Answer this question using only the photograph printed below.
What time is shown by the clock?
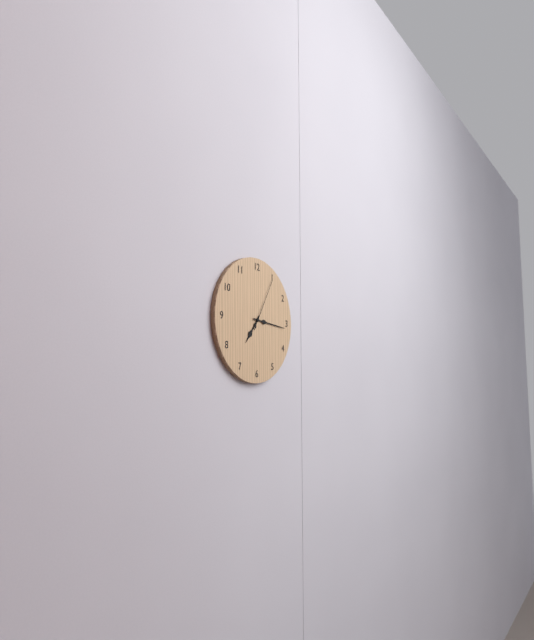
7:16:05
